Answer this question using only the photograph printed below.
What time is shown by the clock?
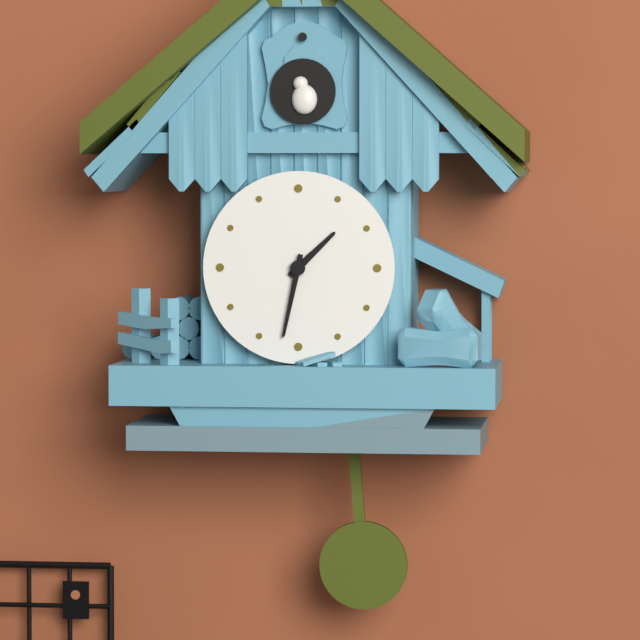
1:32
